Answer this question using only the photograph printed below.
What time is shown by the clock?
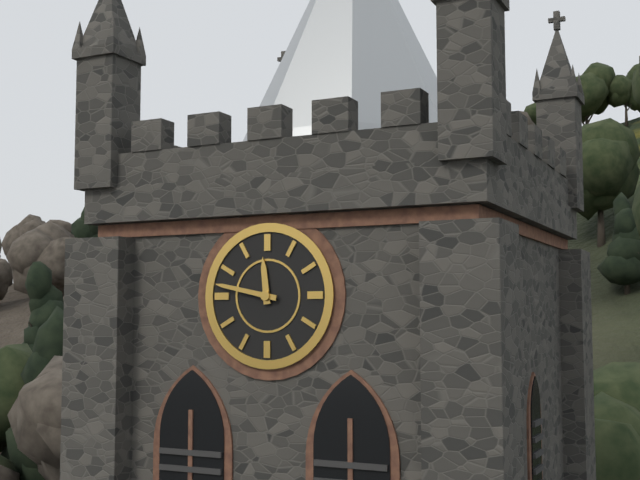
11:47
